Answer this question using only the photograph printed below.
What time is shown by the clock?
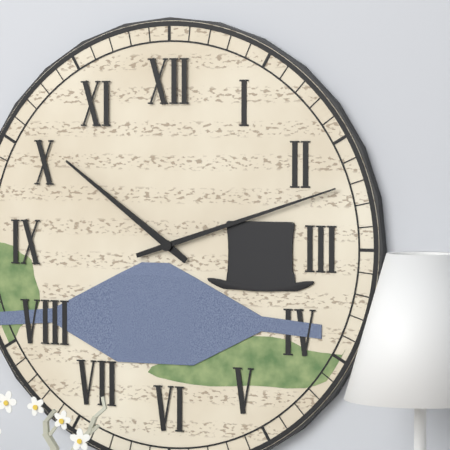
10:12
